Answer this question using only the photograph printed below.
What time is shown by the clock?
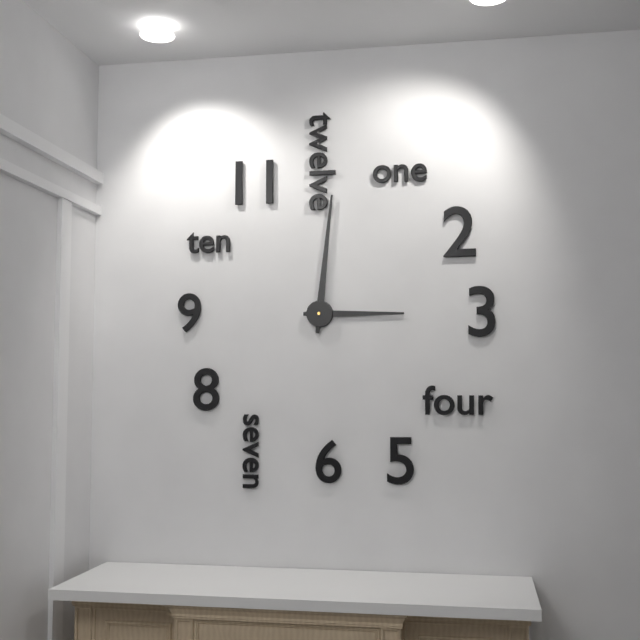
3:01
